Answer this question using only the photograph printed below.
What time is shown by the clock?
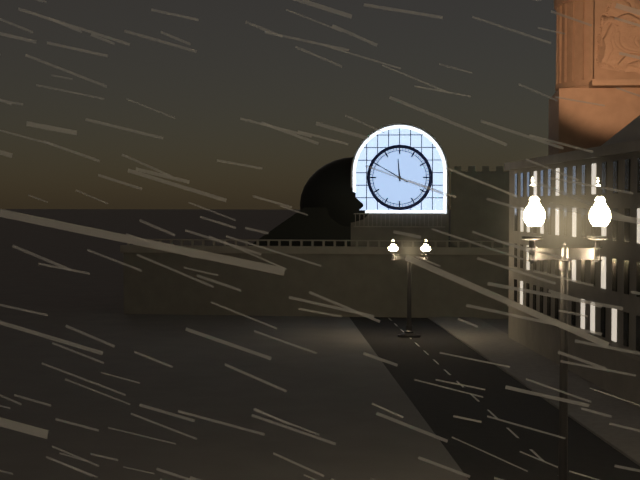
11:50
